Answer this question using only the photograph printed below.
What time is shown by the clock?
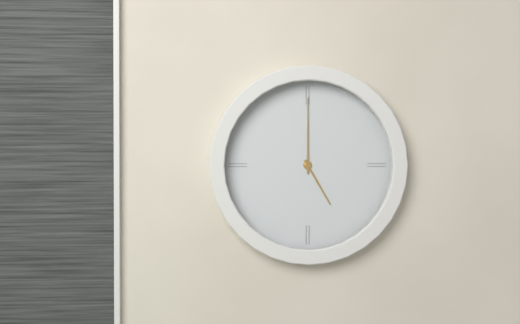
5:00
